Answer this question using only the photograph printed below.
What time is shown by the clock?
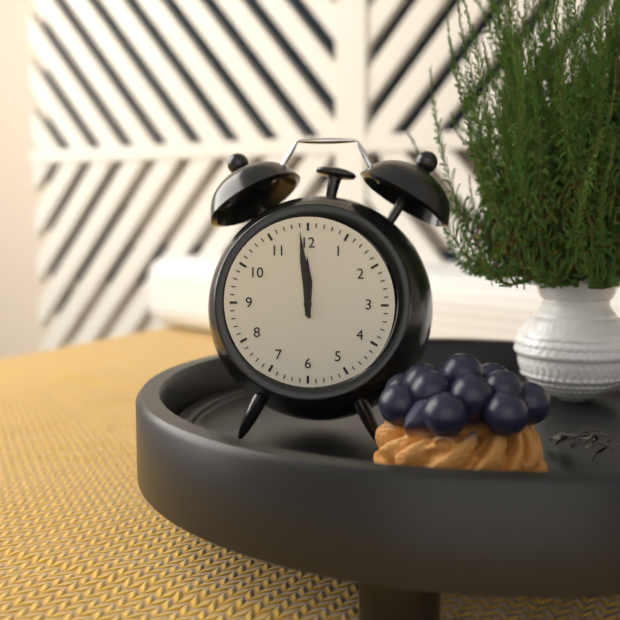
11:59
